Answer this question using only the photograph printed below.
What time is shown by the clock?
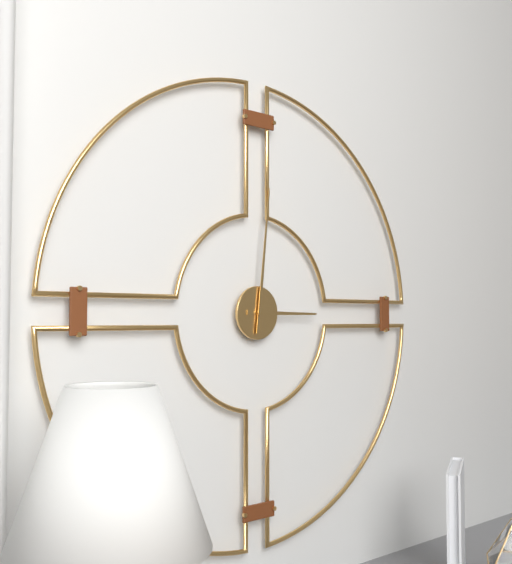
3:01
